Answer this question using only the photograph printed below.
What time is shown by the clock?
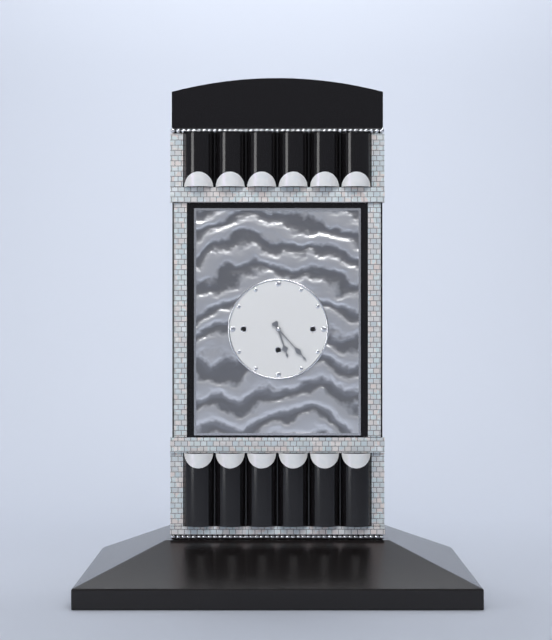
5:23
